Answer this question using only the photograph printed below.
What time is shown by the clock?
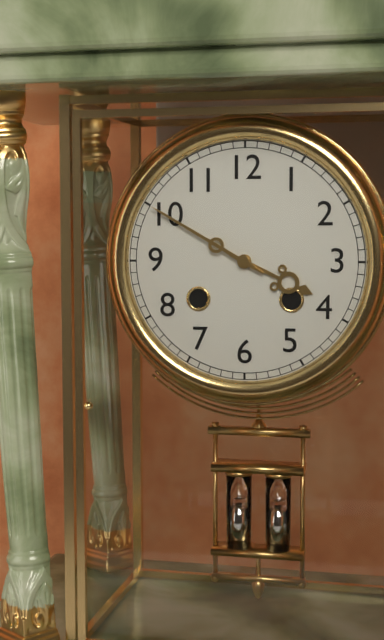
3:50
